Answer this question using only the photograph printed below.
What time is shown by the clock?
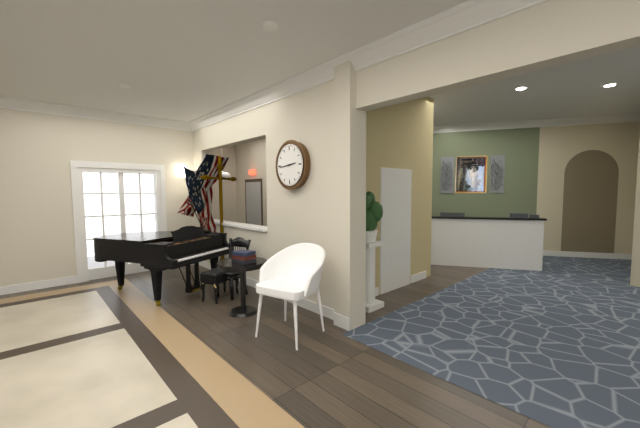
2:44
